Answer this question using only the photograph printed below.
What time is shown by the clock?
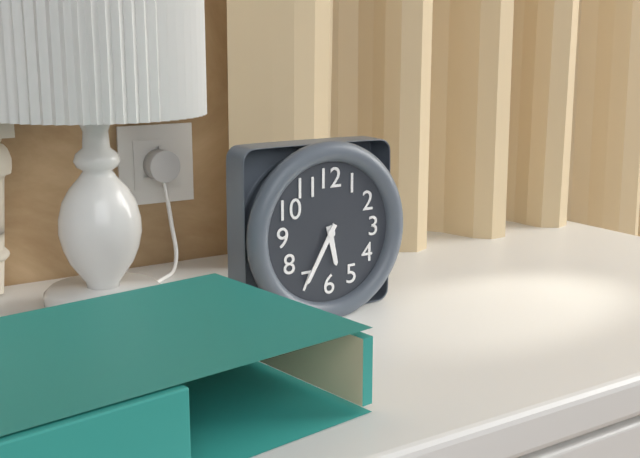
5:35
